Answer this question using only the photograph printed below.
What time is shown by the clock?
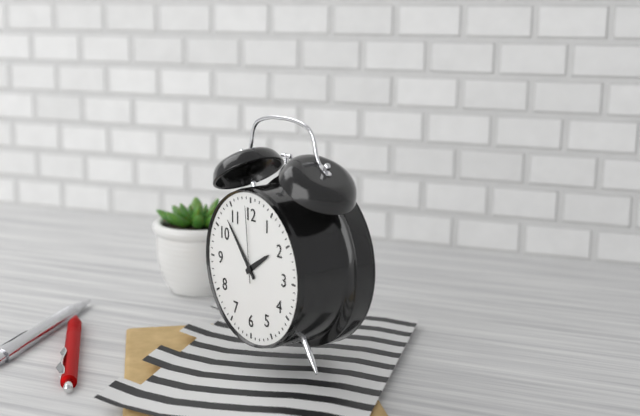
1:53:59
